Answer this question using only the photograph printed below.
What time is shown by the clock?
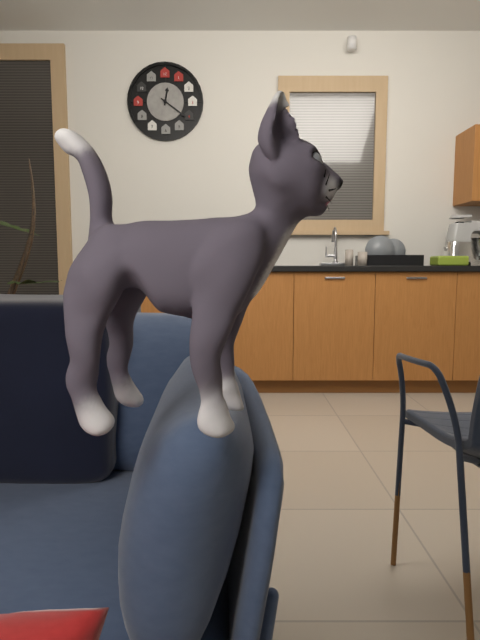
12:21
